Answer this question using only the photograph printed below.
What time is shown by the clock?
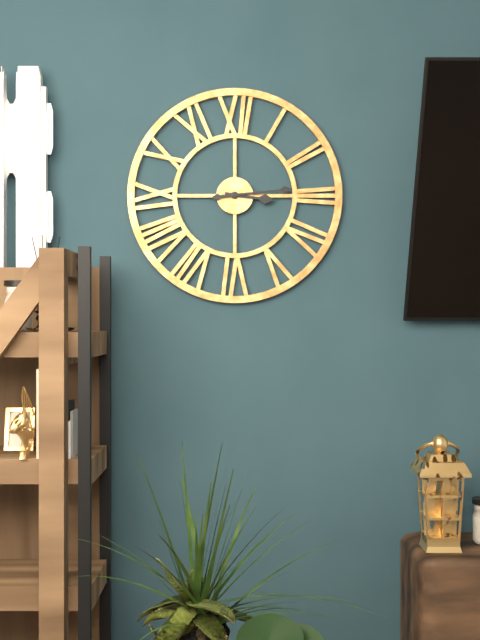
3:14
